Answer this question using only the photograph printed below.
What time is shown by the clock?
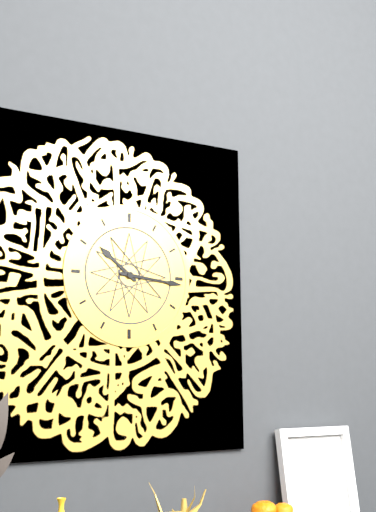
10:16
